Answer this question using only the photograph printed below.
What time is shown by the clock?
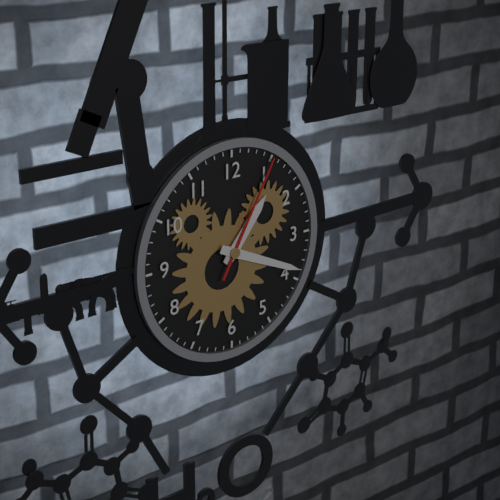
1:19:05
